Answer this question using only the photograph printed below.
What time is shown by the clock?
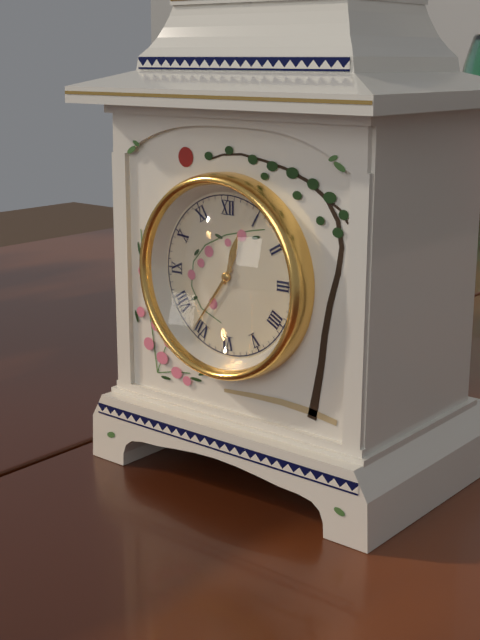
12:36
